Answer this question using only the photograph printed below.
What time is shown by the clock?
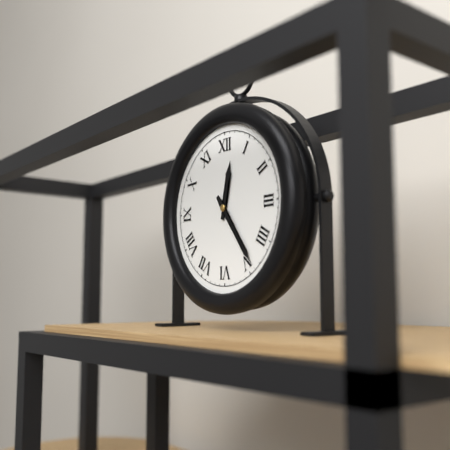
12:24
